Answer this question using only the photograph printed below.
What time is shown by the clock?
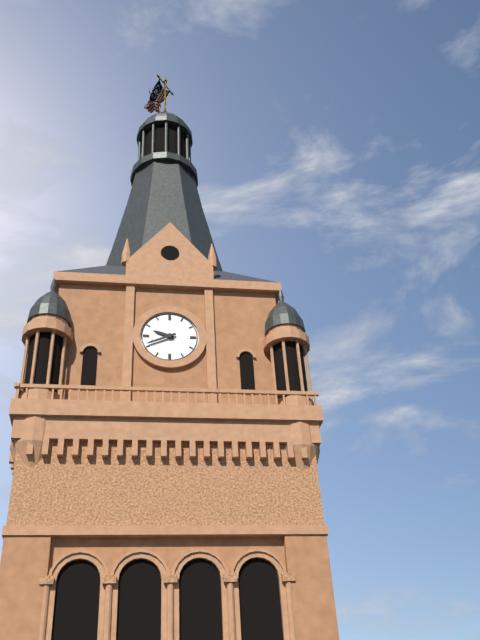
9:41
